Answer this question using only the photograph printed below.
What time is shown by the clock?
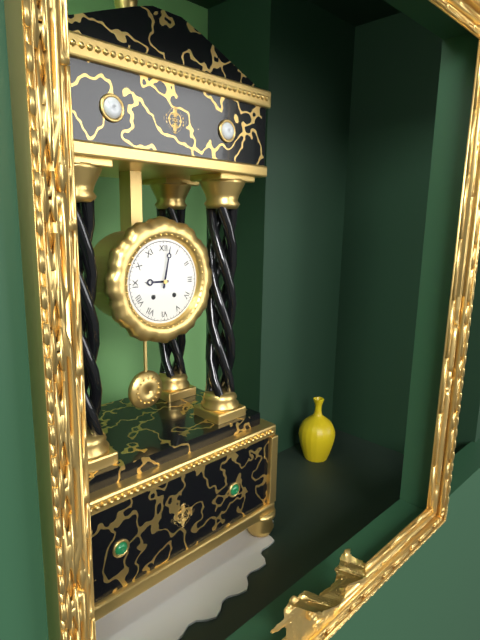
9:02
